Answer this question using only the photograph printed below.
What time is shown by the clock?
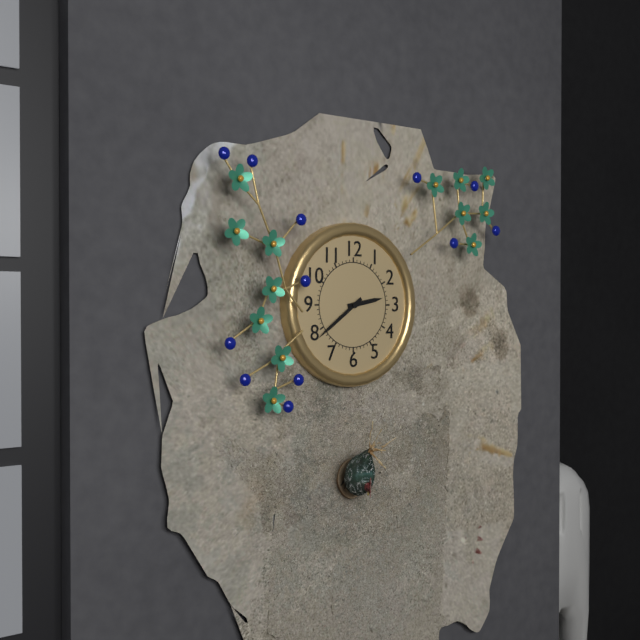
2:39
